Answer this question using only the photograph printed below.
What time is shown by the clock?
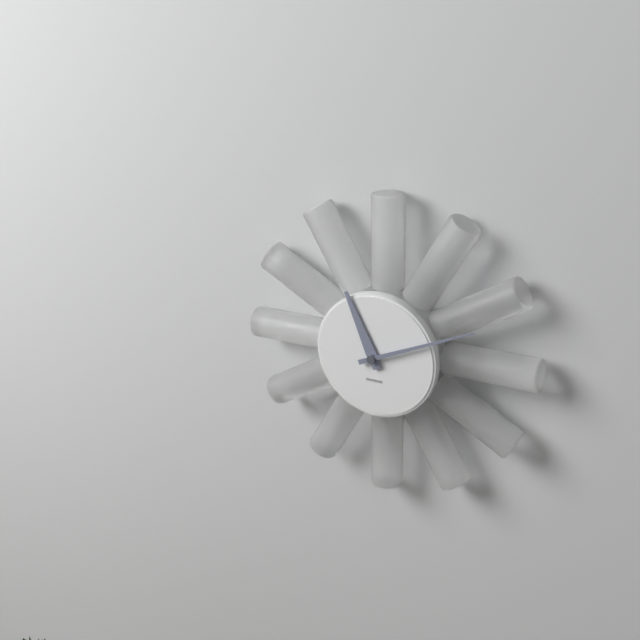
11:11
